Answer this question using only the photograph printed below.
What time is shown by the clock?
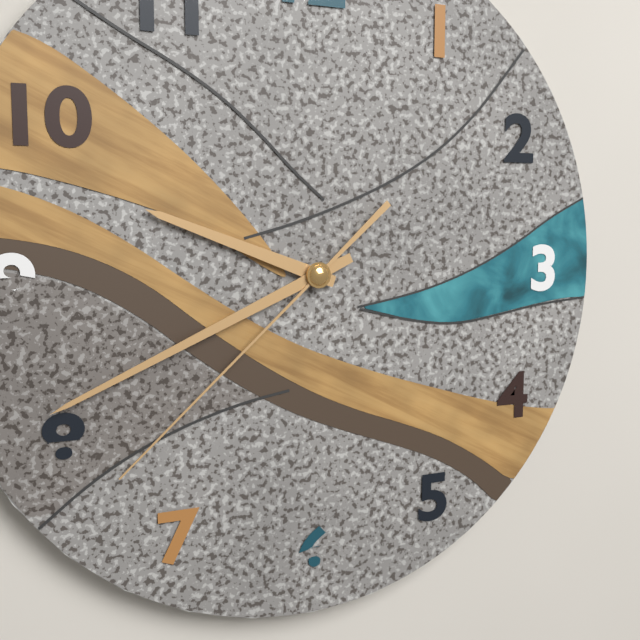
9:41:38
